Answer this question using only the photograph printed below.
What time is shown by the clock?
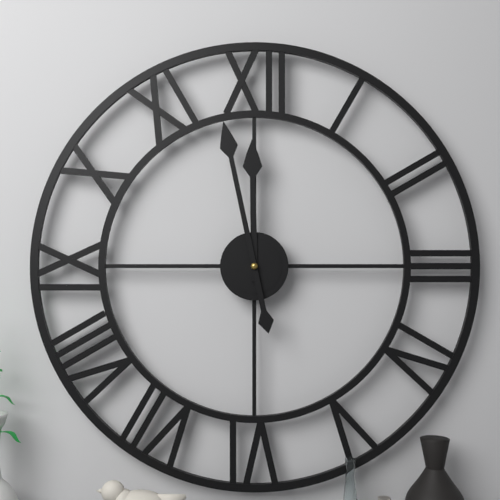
11:58
